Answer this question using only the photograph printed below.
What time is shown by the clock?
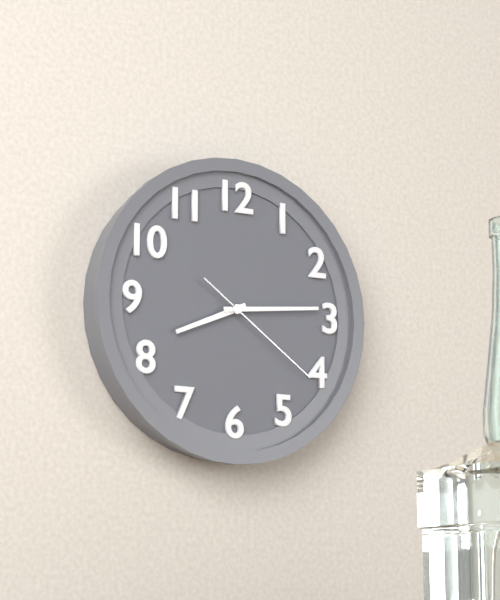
8:14:21
